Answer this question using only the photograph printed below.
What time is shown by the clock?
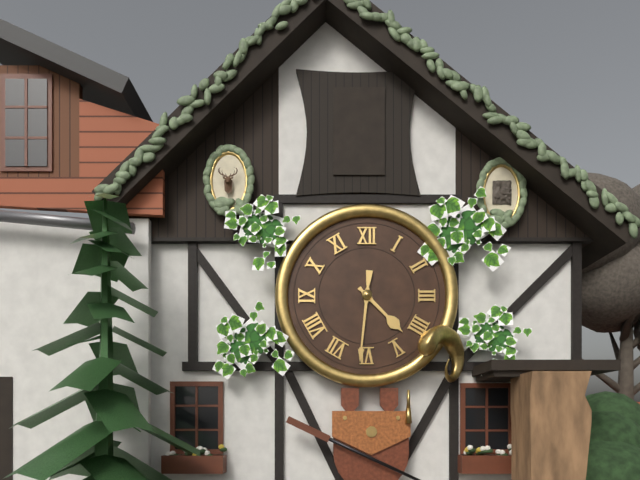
4:31
